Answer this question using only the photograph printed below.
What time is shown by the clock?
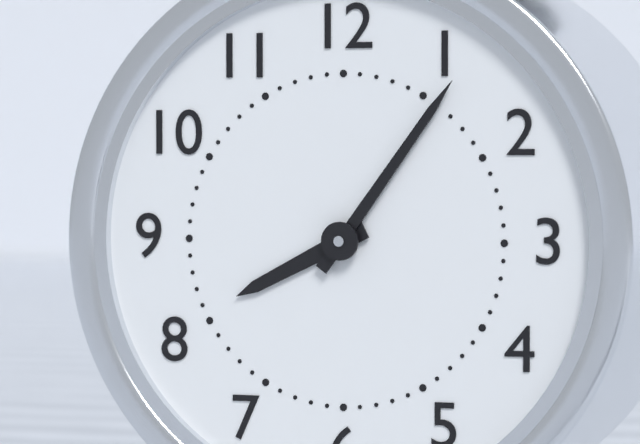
8:06
